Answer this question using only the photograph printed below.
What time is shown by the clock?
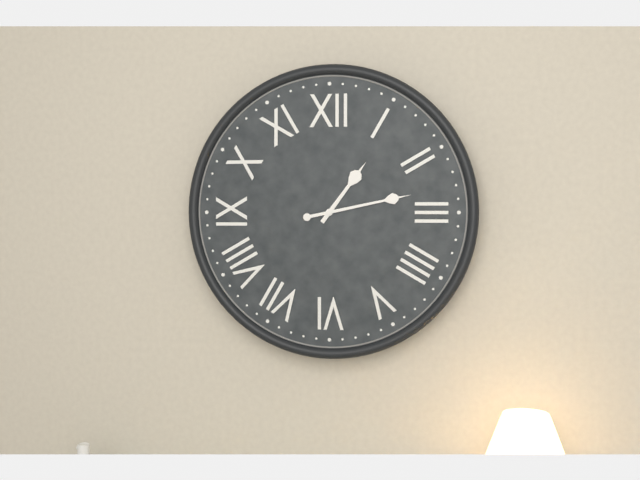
1:13
